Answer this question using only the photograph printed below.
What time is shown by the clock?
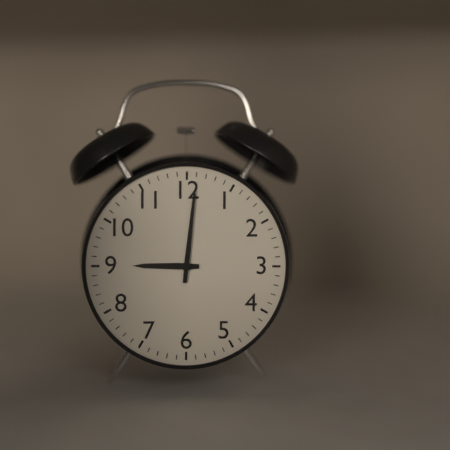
9:01
